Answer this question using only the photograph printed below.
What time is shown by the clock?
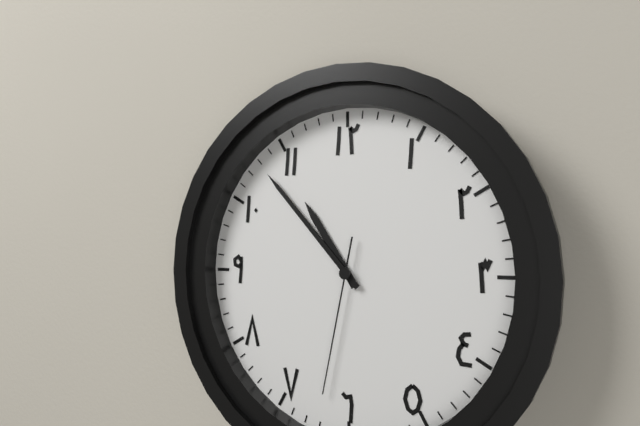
10:53:32
